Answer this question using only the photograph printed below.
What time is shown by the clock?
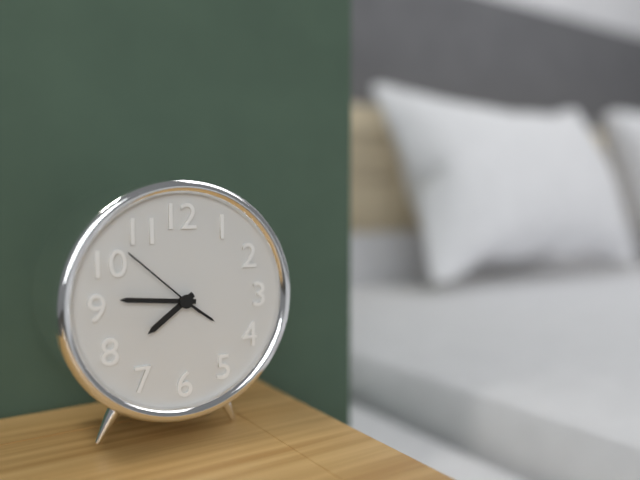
7:46:52
